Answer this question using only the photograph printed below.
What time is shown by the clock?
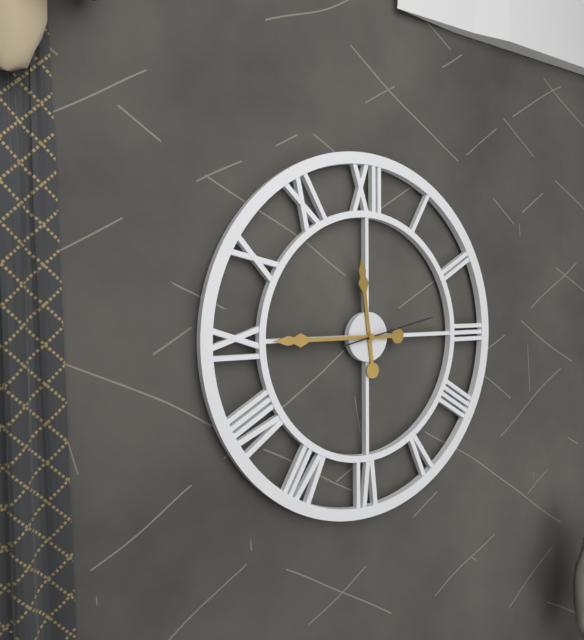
11:45:13
